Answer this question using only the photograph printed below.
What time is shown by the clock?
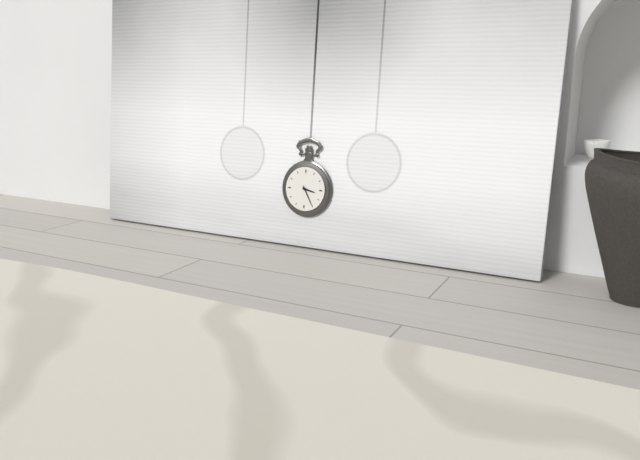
3:25
